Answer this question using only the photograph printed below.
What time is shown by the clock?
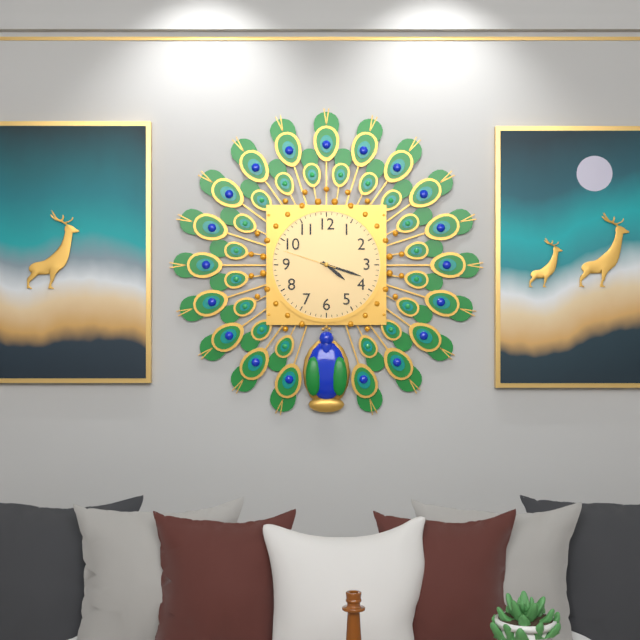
4:18:48
